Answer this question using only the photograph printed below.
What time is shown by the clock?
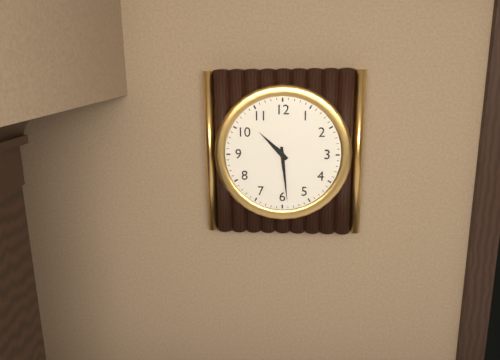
10:29
